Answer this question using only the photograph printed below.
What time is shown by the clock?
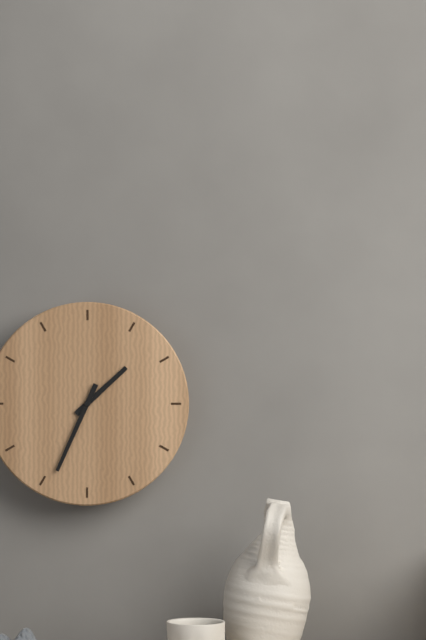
1:34
